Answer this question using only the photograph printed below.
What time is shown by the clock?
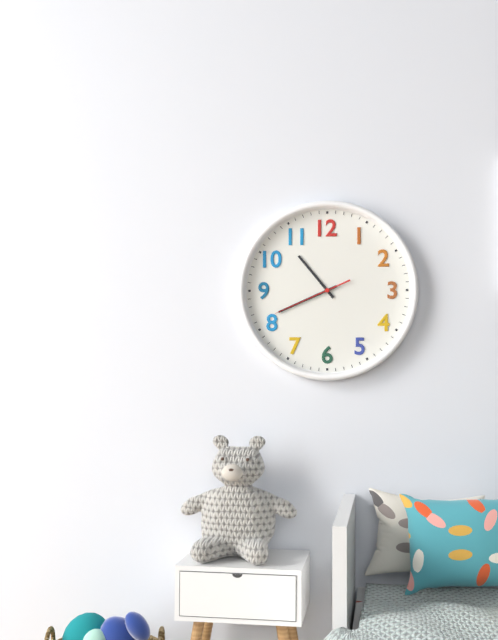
10:41:41
